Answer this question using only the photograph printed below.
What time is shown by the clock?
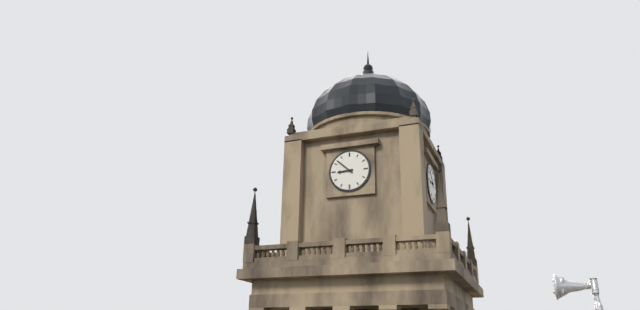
8:52
